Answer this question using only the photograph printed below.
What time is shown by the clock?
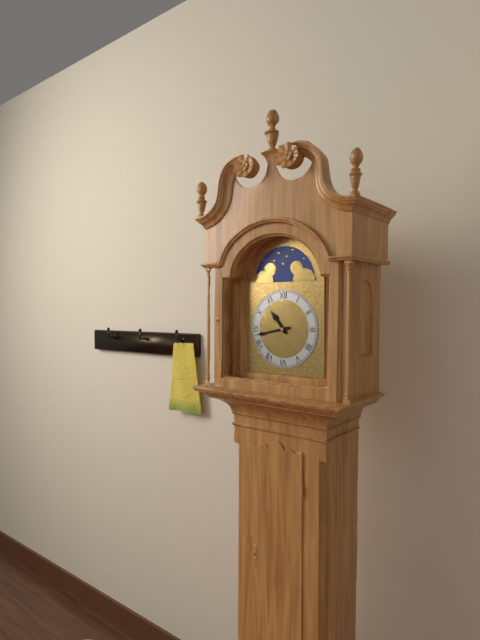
10:43
